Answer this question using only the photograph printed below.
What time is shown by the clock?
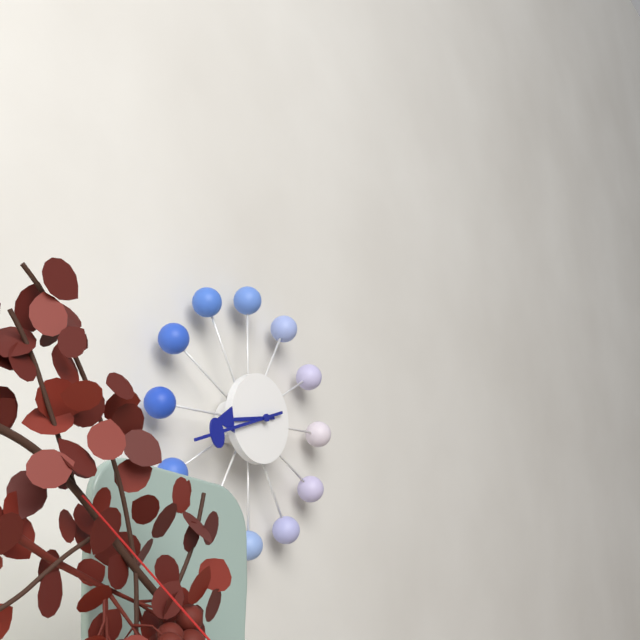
8:42
